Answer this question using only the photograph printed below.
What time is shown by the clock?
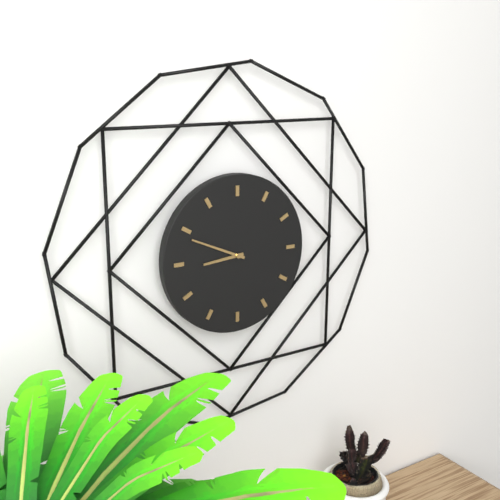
8:49
